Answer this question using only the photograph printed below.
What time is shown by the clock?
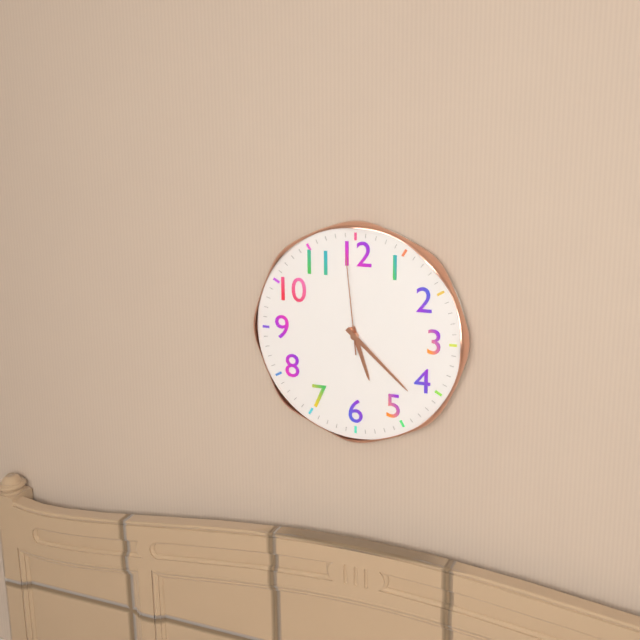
5:22:59
